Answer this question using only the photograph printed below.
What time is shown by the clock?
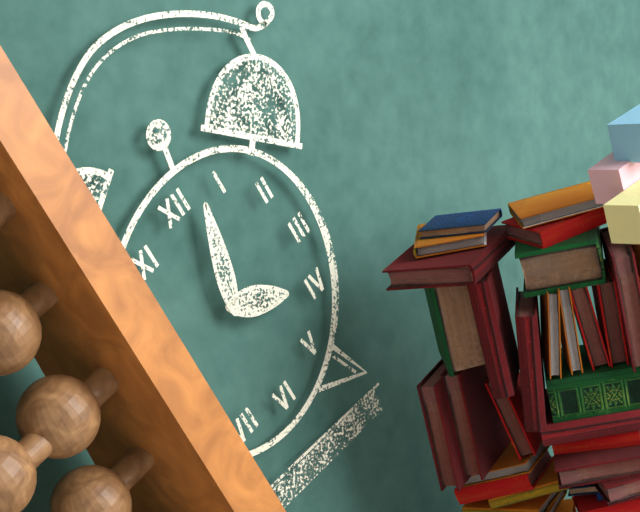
4:03
